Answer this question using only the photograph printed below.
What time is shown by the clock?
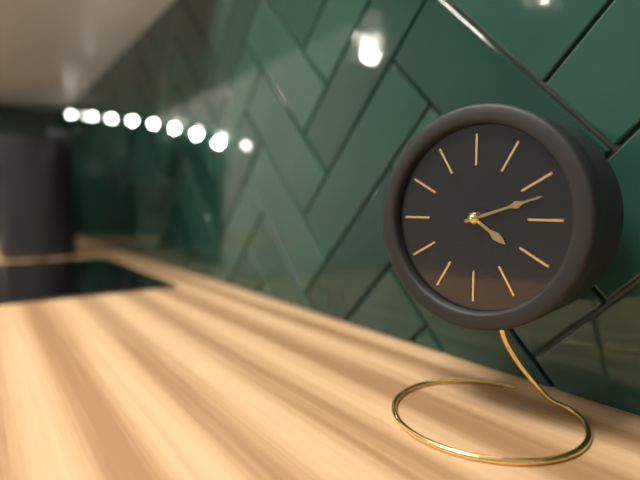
4:12
